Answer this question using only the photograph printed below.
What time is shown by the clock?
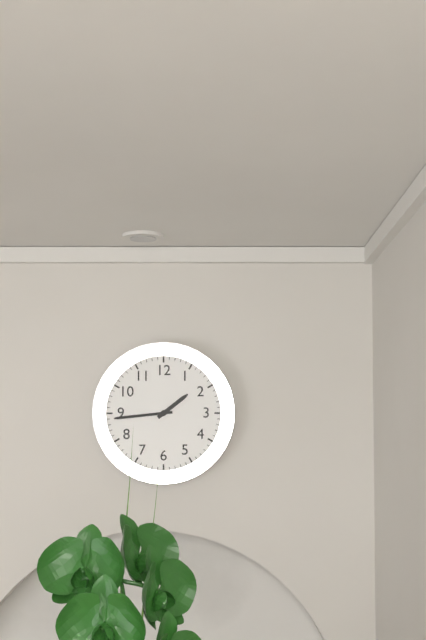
1:44
